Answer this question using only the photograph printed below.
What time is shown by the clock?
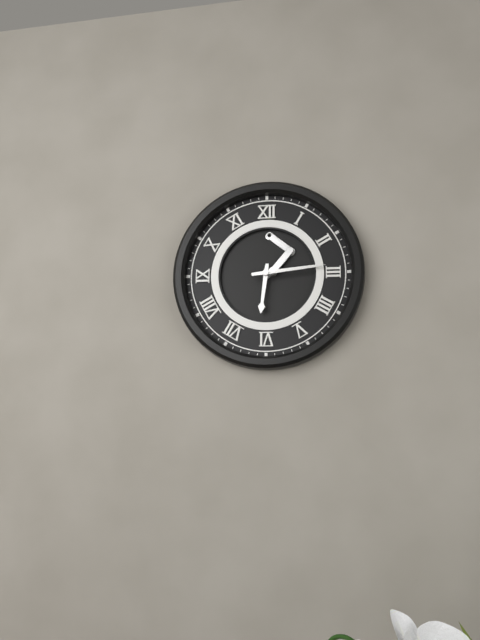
6:14
